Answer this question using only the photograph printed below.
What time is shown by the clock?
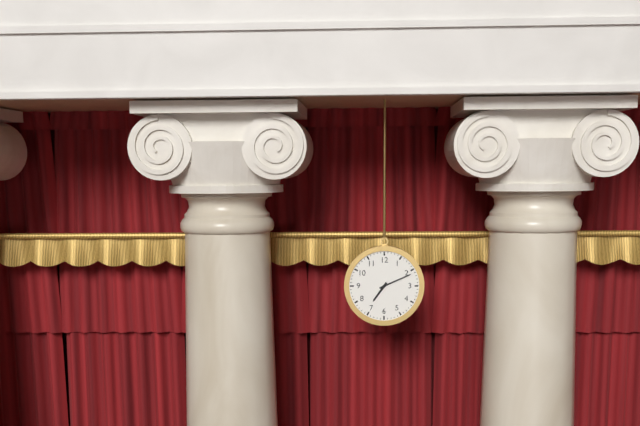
7:11
